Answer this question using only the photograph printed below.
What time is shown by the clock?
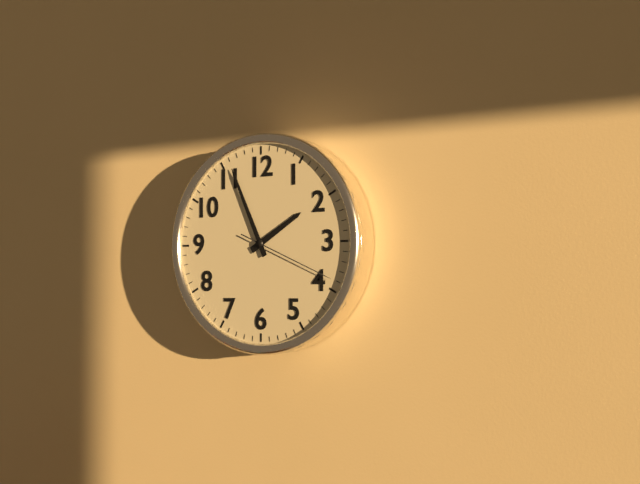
1:56:19
